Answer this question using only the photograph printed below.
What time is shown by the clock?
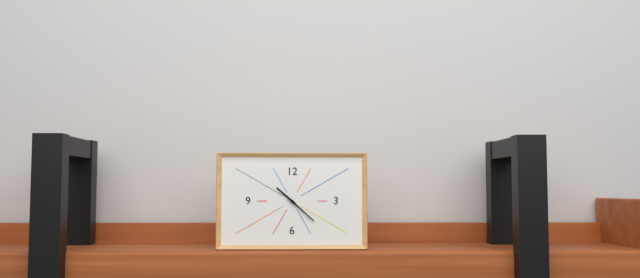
10:22
